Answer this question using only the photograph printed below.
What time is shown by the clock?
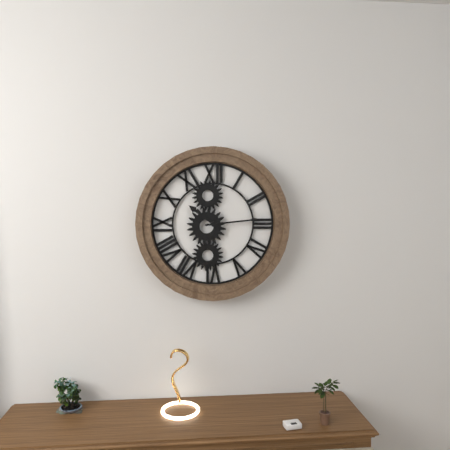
10:14
